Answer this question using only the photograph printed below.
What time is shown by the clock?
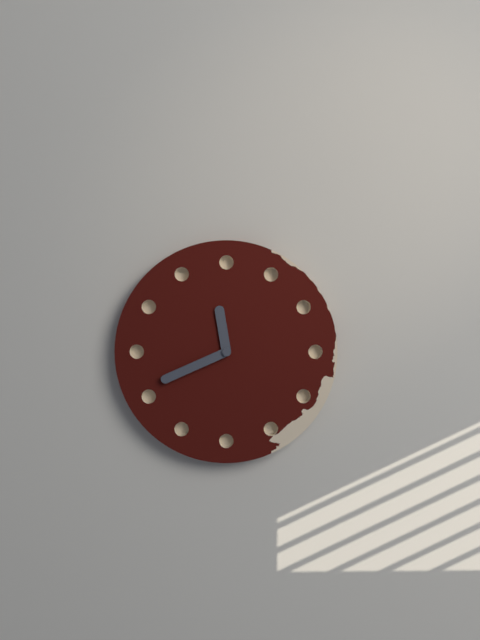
11:41
